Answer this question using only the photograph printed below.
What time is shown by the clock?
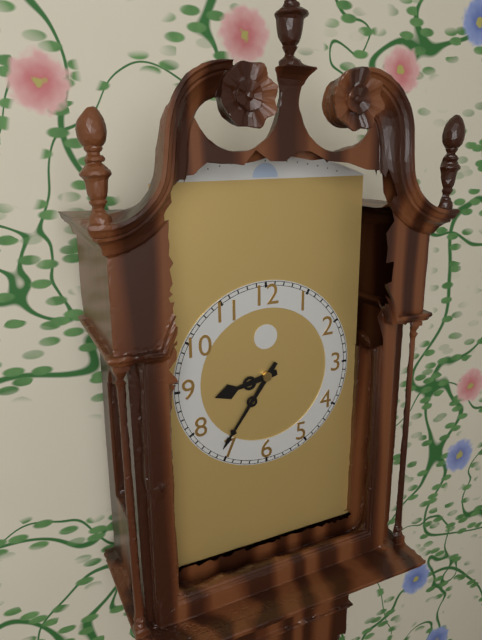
8:36
